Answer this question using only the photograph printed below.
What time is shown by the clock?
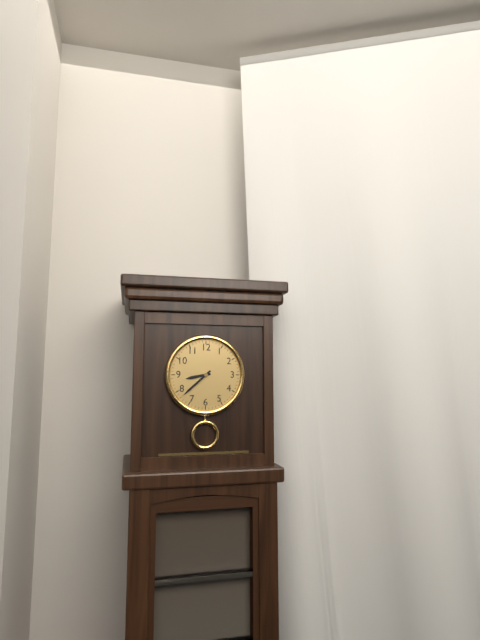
8:38
